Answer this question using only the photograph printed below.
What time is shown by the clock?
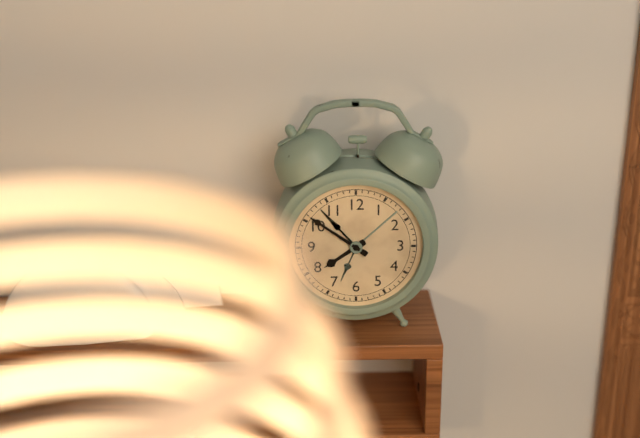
7:51
